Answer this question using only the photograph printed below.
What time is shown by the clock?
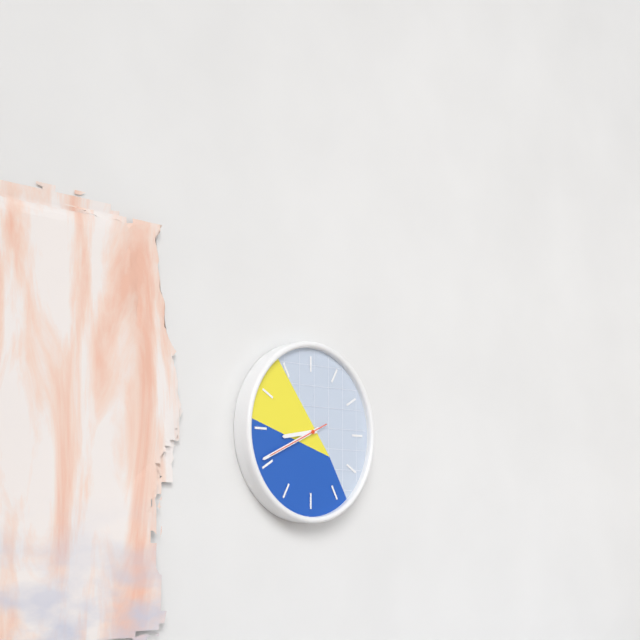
8:41:41
